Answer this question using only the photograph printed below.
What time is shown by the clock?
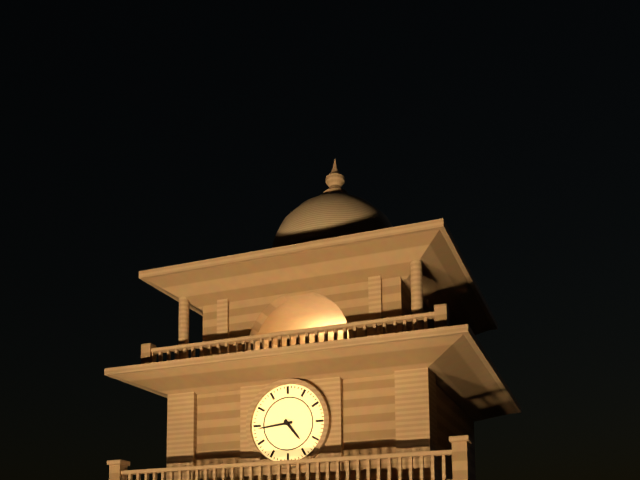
4:44
